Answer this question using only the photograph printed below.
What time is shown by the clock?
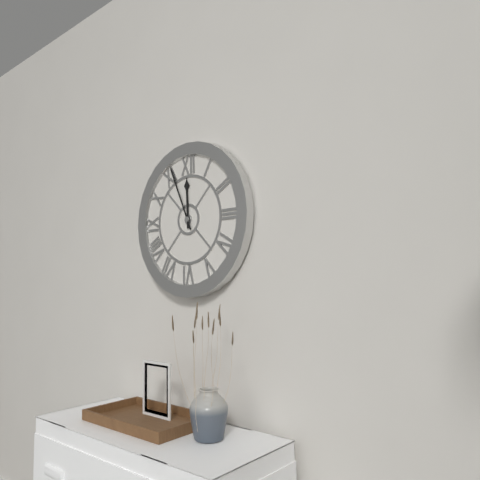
11:56
